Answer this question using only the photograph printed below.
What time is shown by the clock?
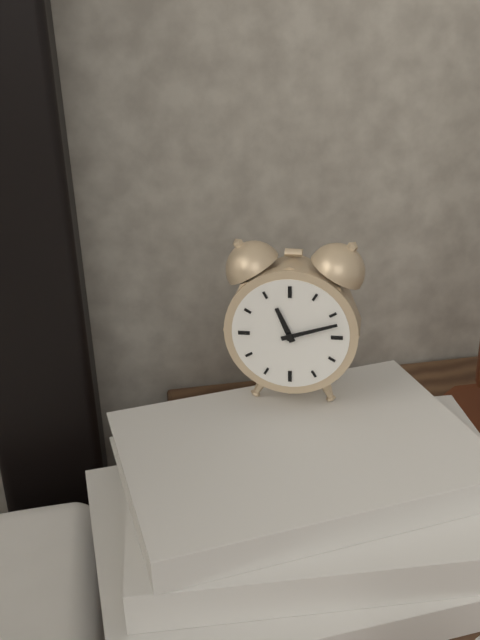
11:12
